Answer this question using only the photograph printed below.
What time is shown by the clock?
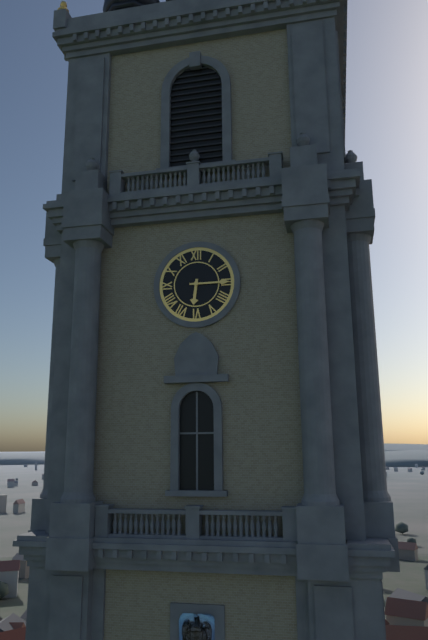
6:15
